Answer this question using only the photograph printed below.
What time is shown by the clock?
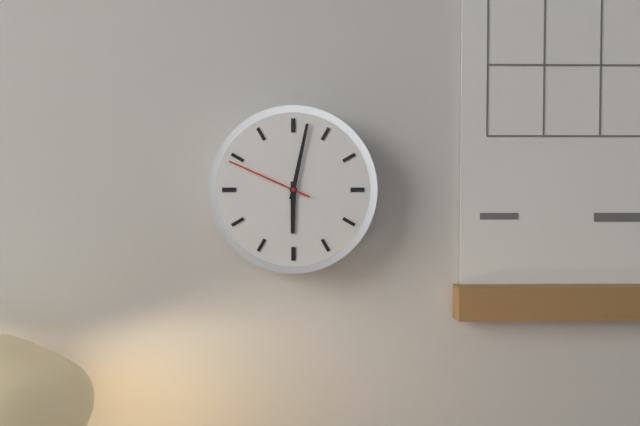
6:02:49
